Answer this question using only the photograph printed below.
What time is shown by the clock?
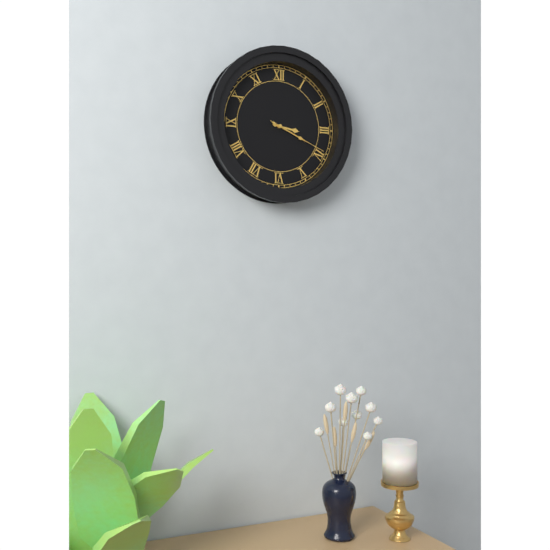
3:19:19
